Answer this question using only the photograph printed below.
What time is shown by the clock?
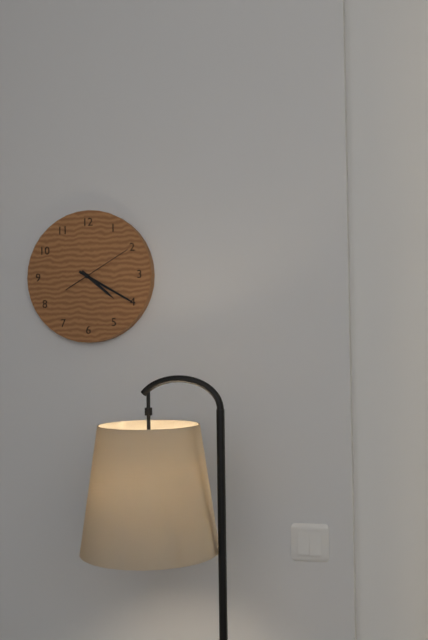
4:20:10
